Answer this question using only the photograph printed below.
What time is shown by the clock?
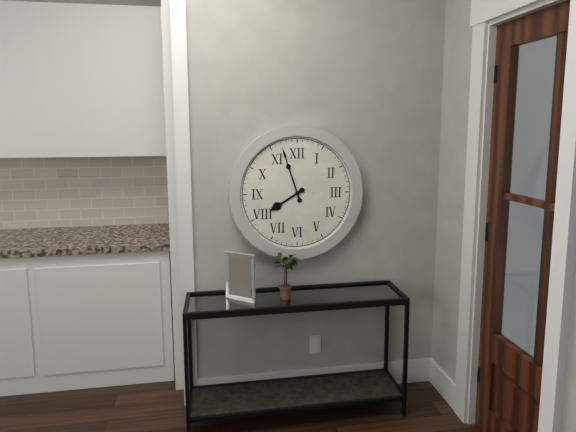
7:57
